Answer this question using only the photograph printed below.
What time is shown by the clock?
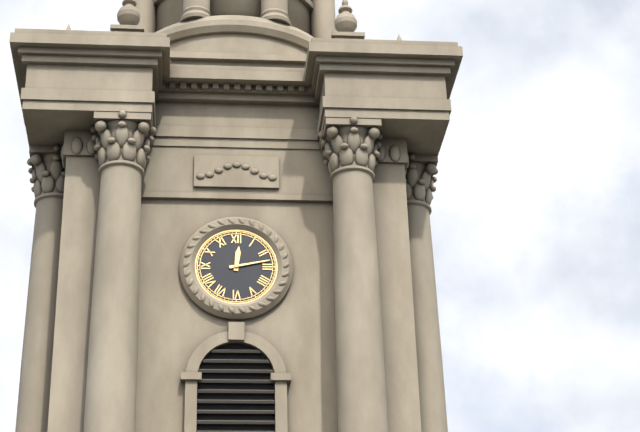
12:13
